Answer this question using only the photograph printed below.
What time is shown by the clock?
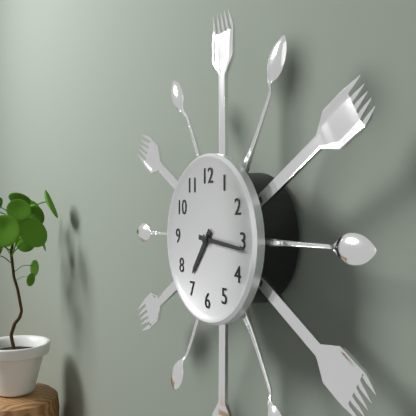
7:16
